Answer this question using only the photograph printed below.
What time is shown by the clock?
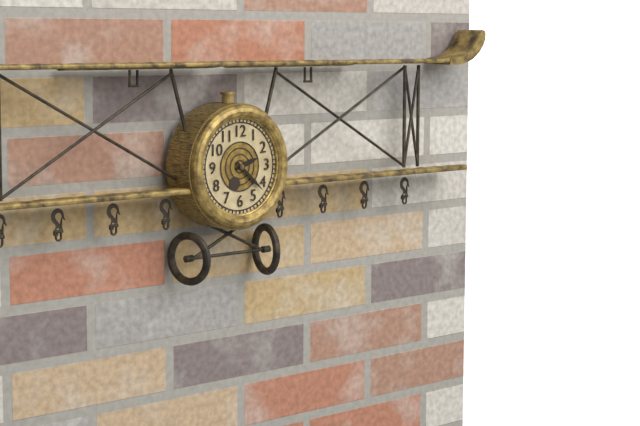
2:22
